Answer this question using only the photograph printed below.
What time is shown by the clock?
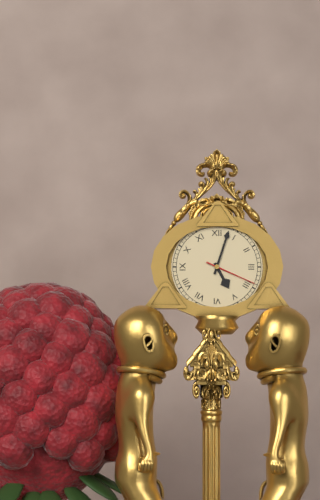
5:03:19
